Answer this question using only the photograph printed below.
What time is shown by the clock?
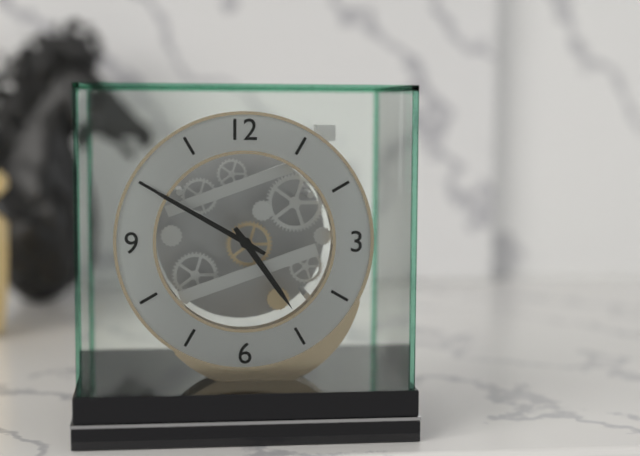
4:50
